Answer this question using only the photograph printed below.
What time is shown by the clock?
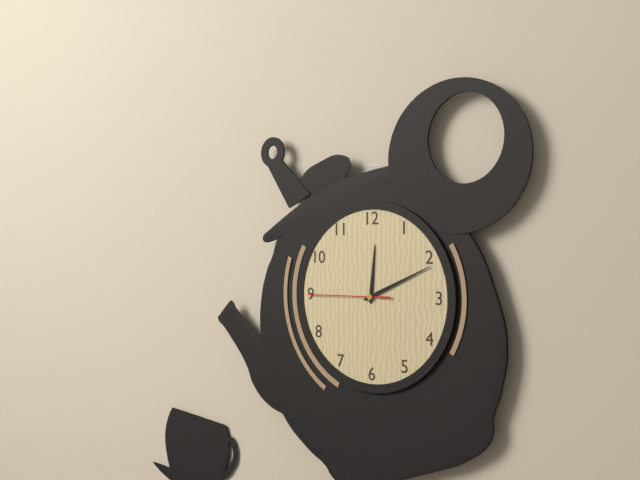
12:11:45
